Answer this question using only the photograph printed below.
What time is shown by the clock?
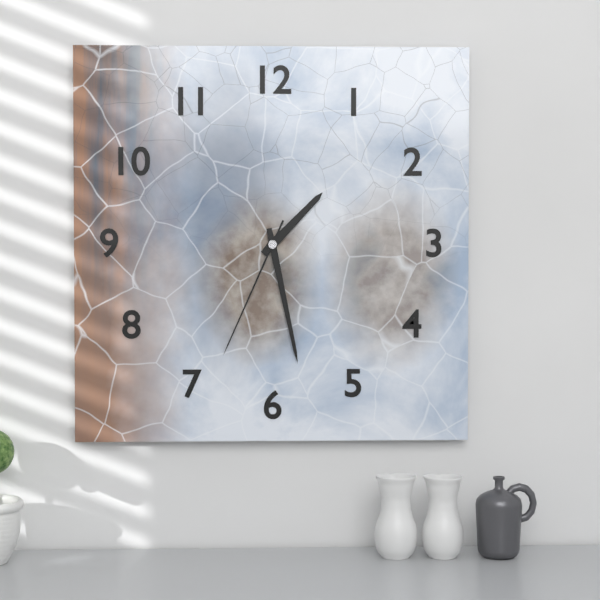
1:28:34
